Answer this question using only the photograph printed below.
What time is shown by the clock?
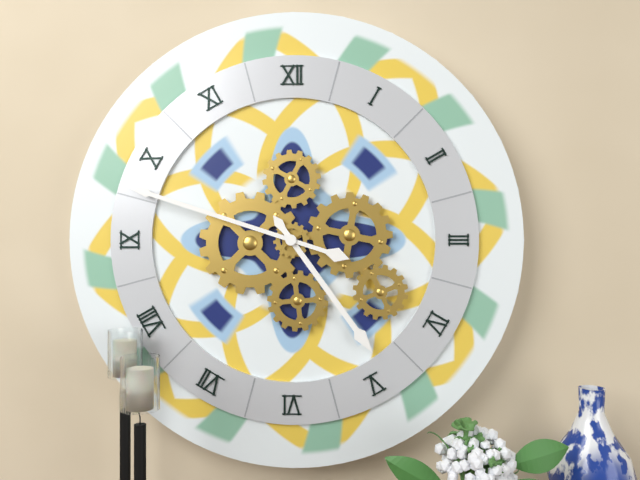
4:48
